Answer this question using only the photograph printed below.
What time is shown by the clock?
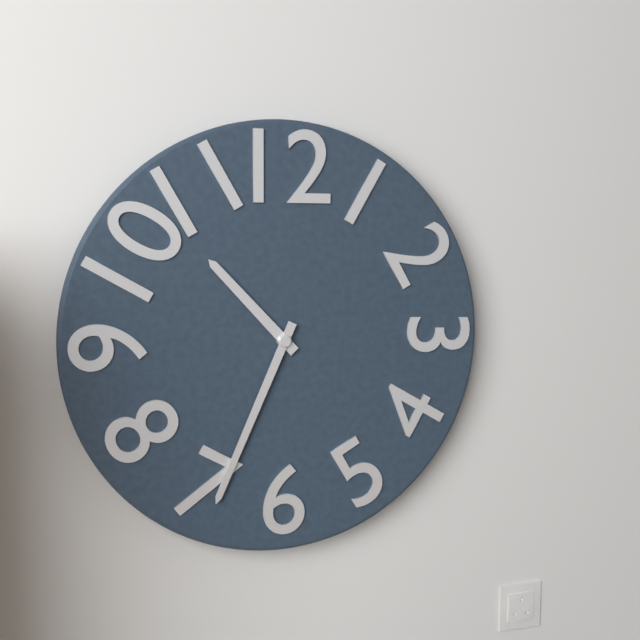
10:34
